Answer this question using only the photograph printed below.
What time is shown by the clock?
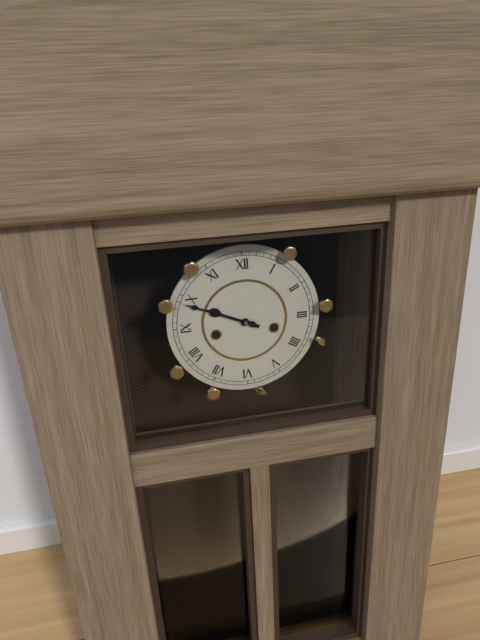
9:49
